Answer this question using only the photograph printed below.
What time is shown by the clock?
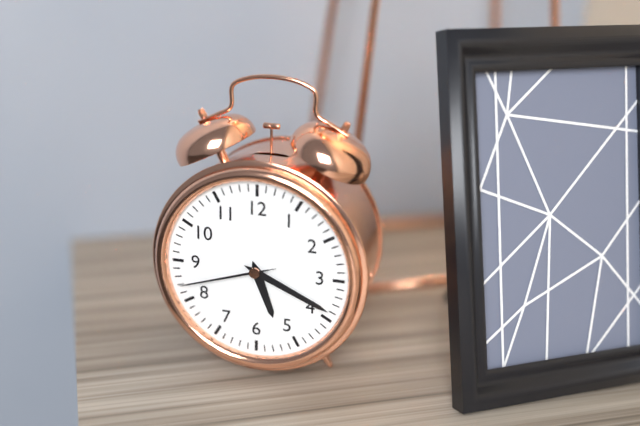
5:19:42
